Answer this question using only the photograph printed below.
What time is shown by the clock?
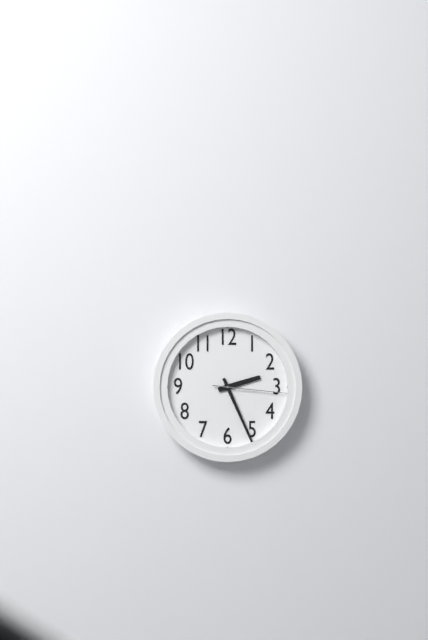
2:26:16
